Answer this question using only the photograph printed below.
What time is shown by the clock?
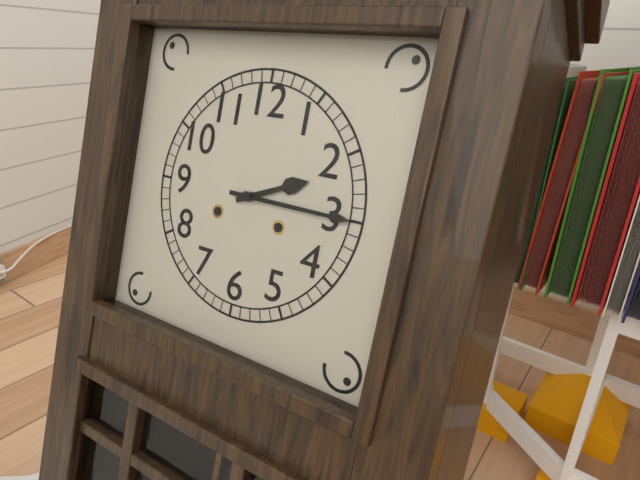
2:15
